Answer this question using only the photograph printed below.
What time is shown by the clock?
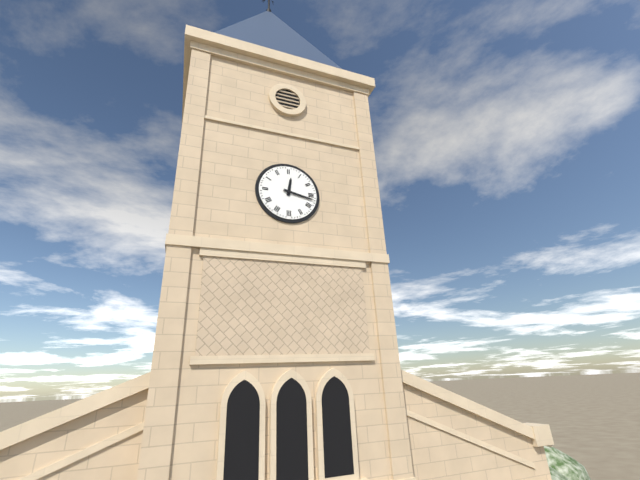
12:17
